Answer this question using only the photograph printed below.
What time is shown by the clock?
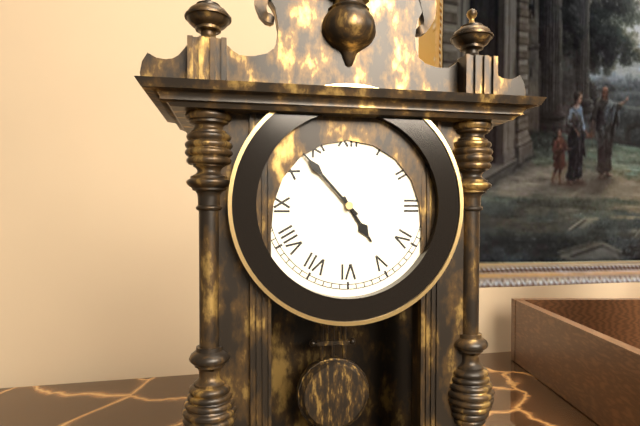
4:53
